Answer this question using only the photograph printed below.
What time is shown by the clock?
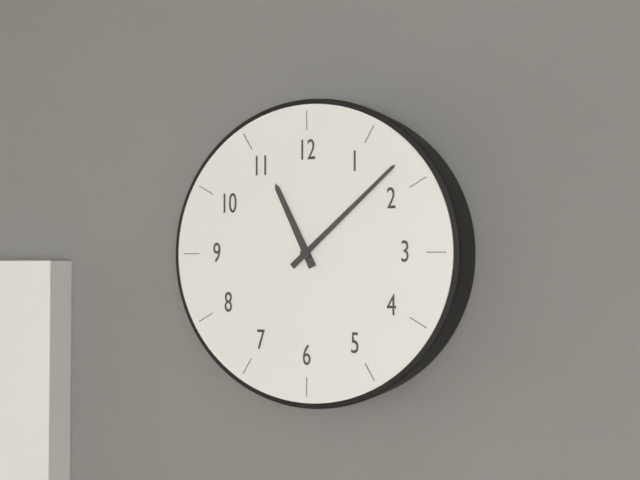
11:08
